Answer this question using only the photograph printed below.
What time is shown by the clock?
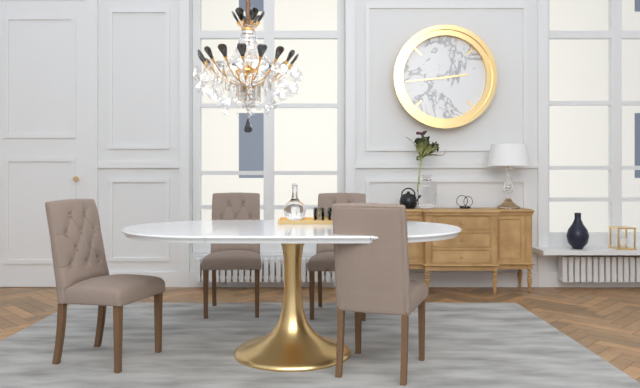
2:44
